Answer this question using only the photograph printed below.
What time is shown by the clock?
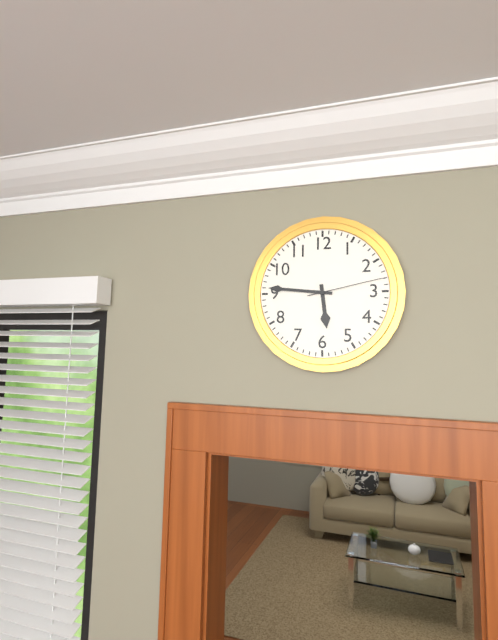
5:46:13
